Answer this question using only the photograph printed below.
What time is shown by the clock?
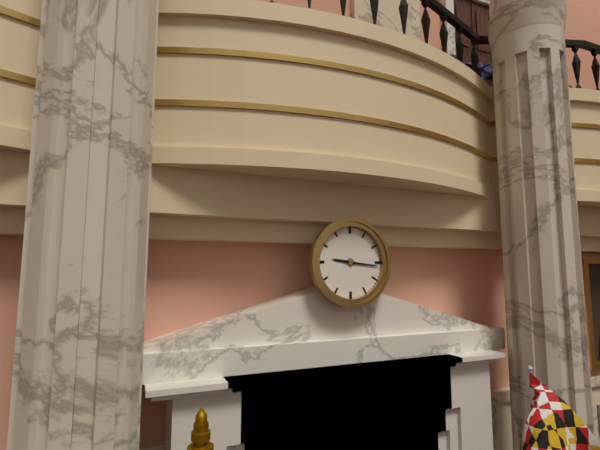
9:16
